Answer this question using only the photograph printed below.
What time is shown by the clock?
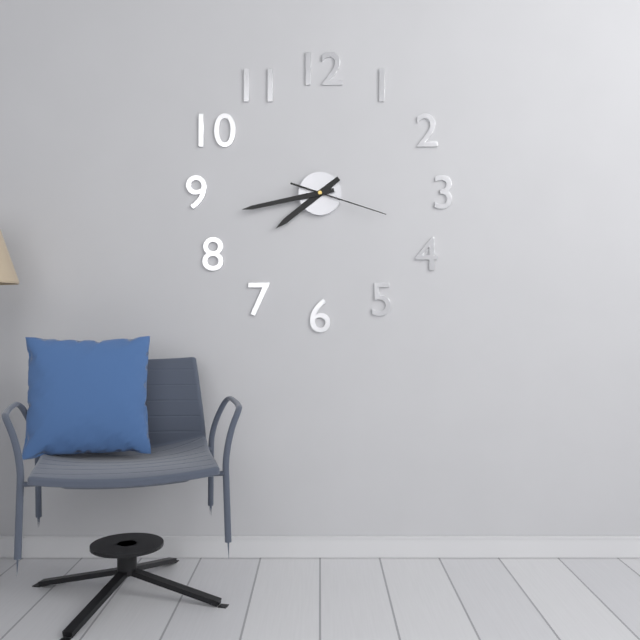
7:43:18
